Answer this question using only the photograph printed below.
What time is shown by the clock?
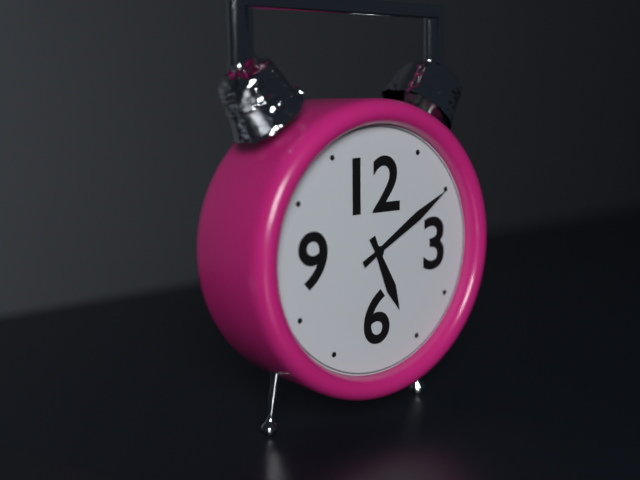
5:10
